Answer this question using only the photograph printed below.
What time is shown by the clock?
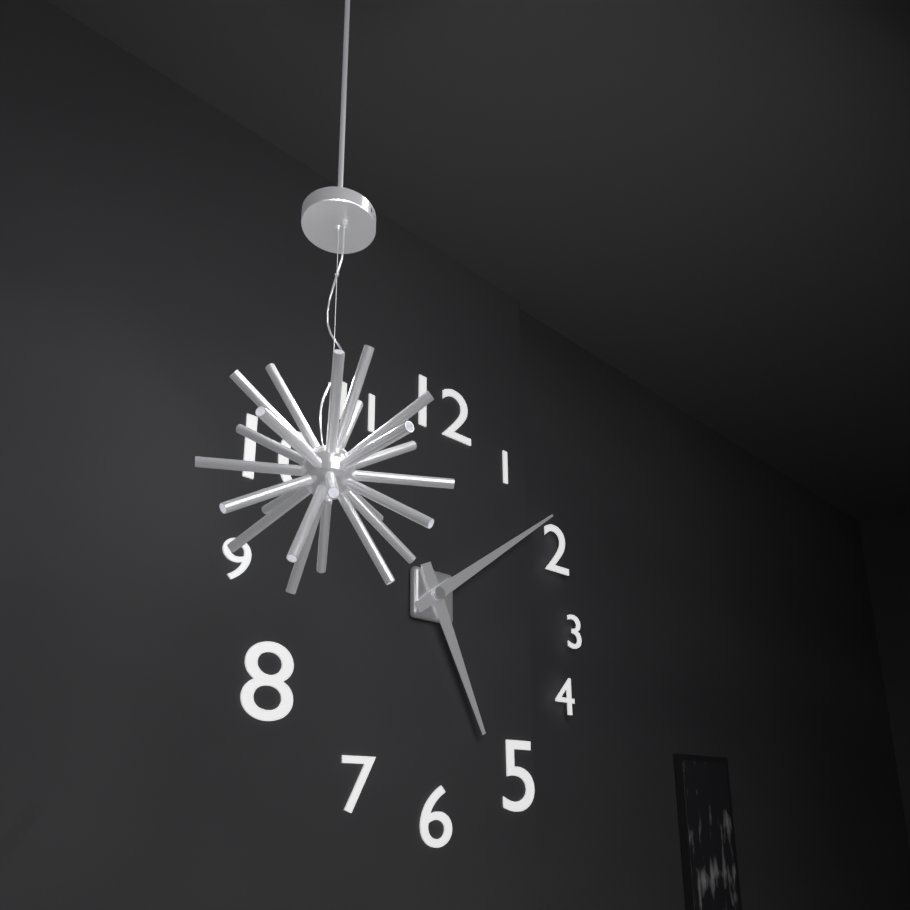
5:09
